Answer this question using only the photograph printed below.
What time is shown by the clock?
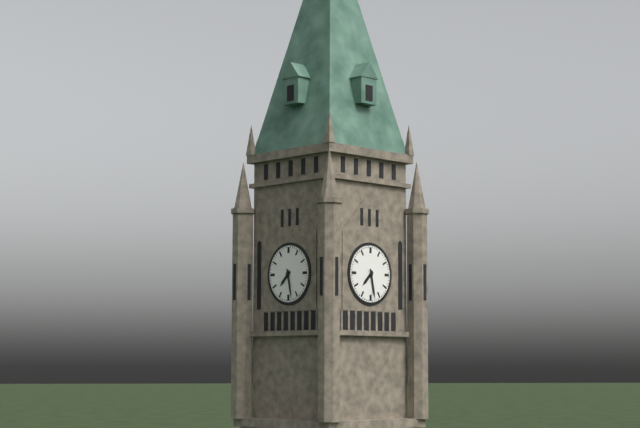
7:28
